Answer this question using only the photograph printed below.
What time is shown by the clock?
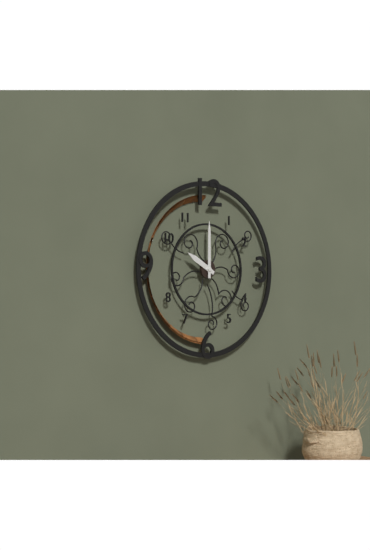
10:00
